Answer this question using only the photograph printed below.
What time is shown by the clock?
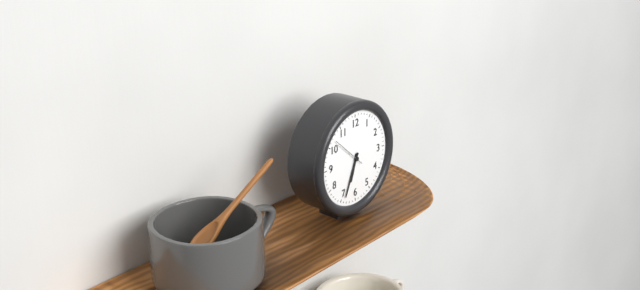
6:34
